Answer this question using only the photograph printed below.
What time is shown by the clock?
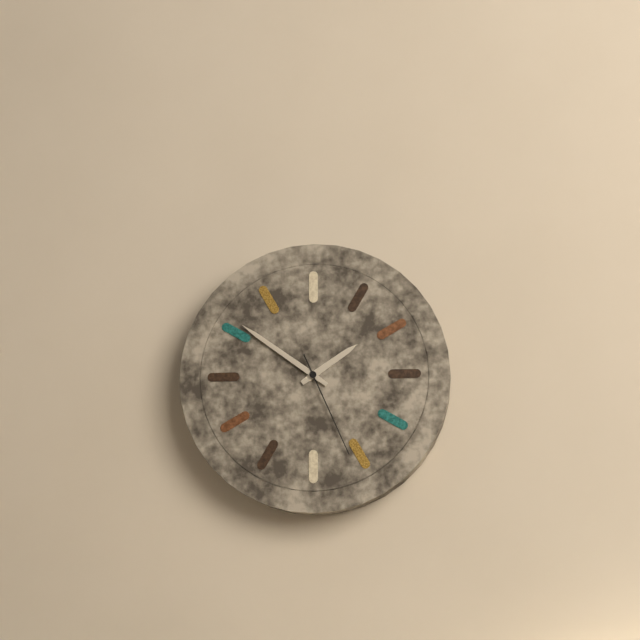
1:51:26
